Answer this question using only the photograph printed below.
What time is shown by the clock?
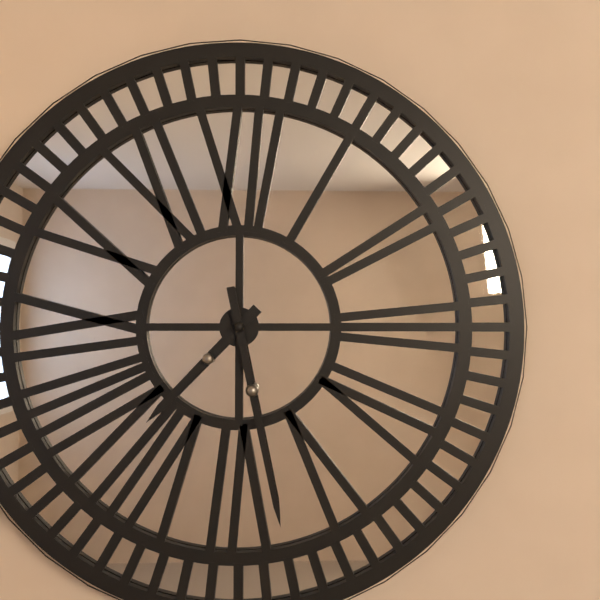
7:28
